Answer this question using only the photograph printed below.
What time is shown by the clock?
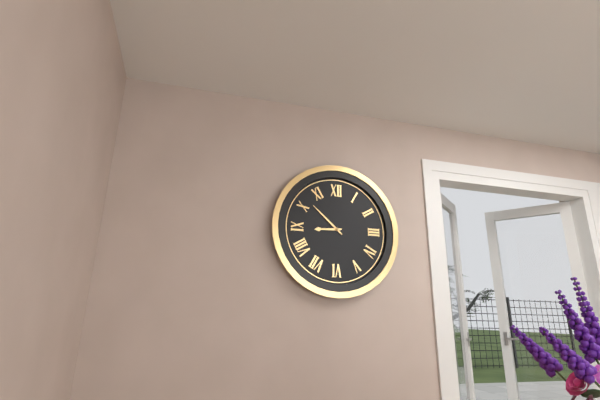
8:52
